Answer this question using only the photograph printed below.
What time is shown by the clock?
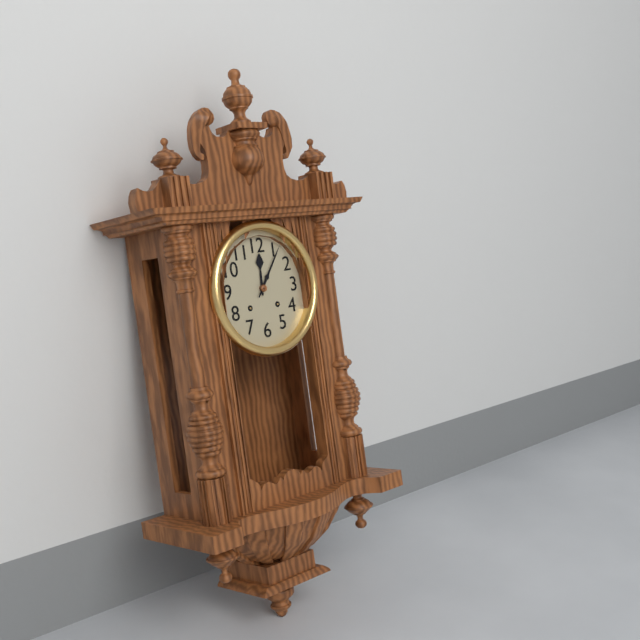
12:06
